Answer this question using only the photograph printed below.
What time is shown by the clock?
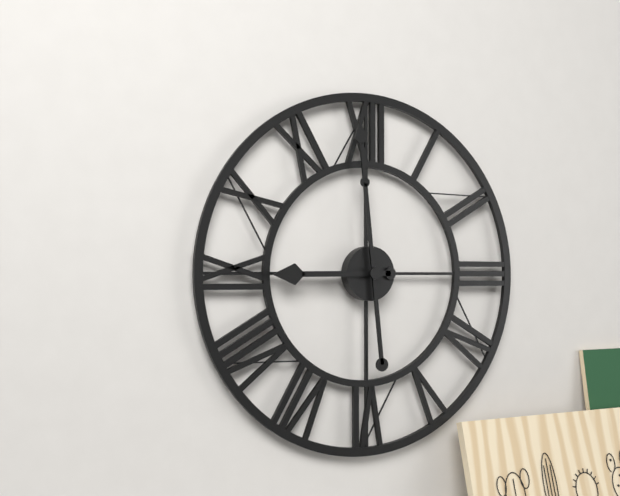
8:59
